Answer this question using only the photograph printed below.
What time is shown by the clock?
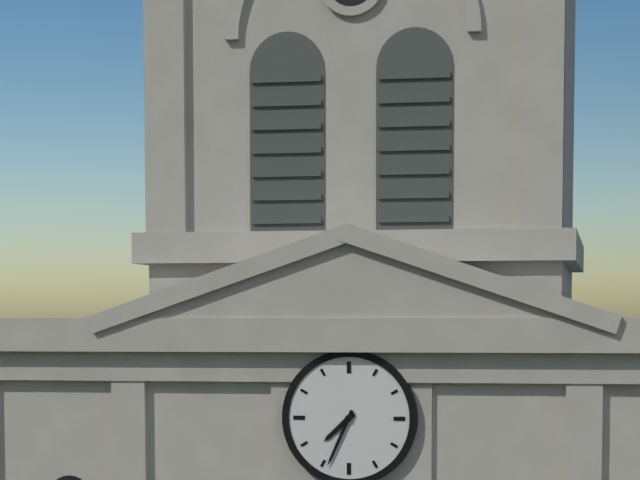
7:34
